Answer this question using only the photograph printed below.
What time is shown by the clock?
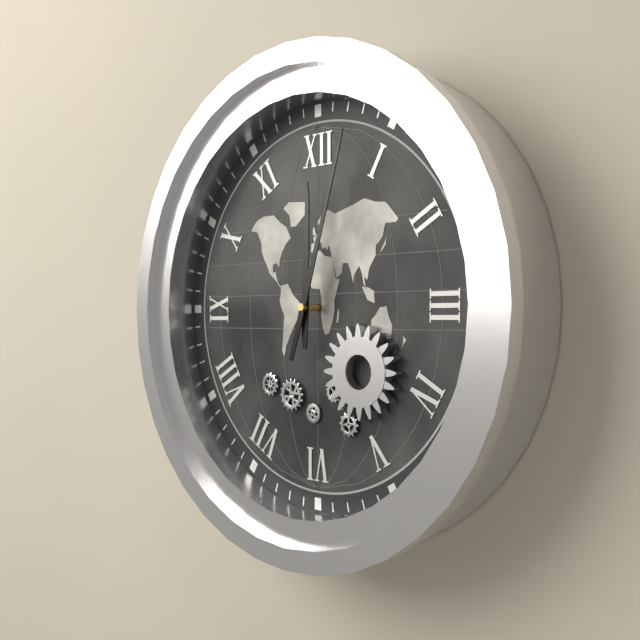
12:03
